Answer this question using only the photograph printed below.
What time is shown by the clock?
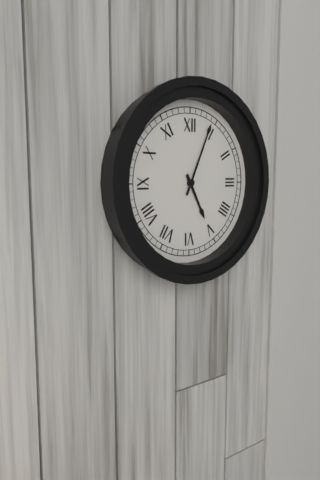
5:04
